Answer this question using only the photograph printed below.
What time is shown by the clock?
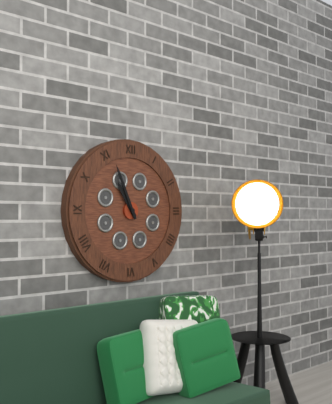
10:56
